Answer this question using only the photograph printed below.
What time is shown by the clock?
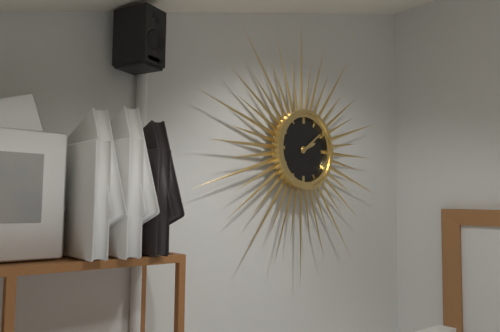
2:09
